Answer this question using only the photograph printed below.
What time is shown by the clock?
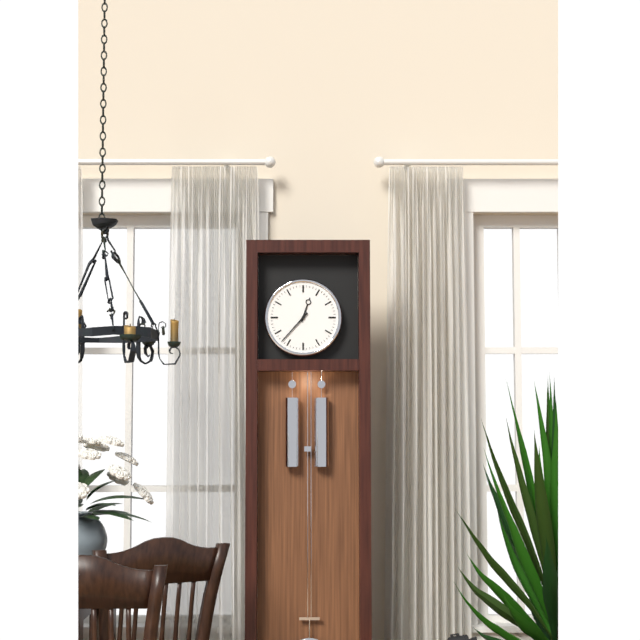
12:37
